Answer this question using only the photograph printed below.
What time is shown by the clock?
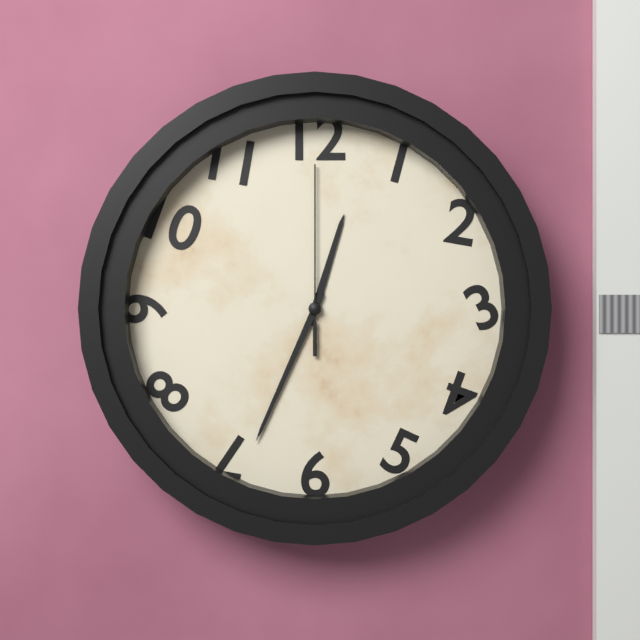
12:34:00
